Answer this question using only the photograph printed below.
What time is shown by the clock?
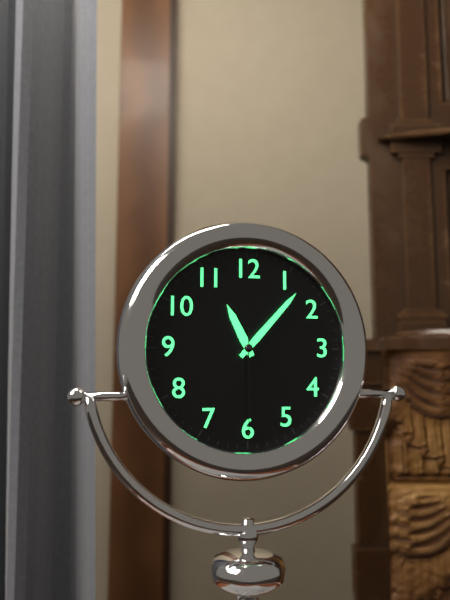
11:07:30
